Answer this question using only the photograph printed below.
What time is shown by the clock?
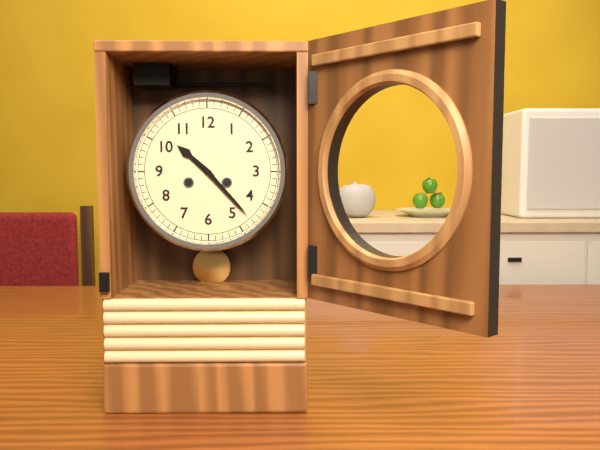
10:23
